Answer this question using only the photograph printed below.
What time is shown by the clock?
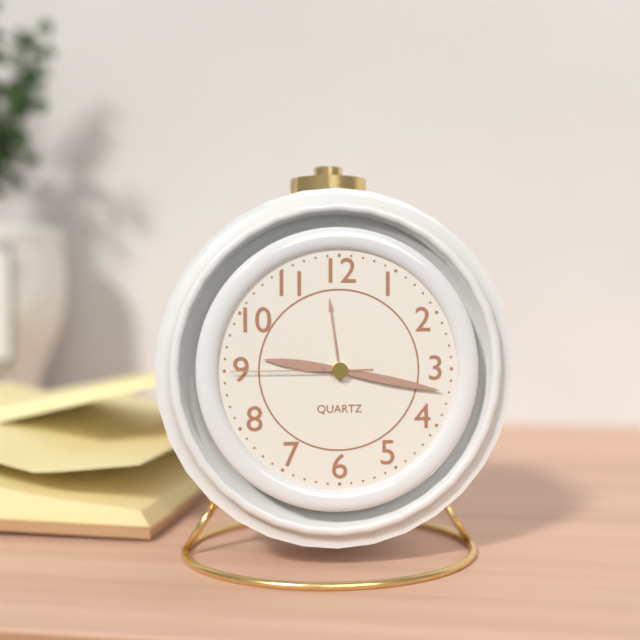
9:17:45
